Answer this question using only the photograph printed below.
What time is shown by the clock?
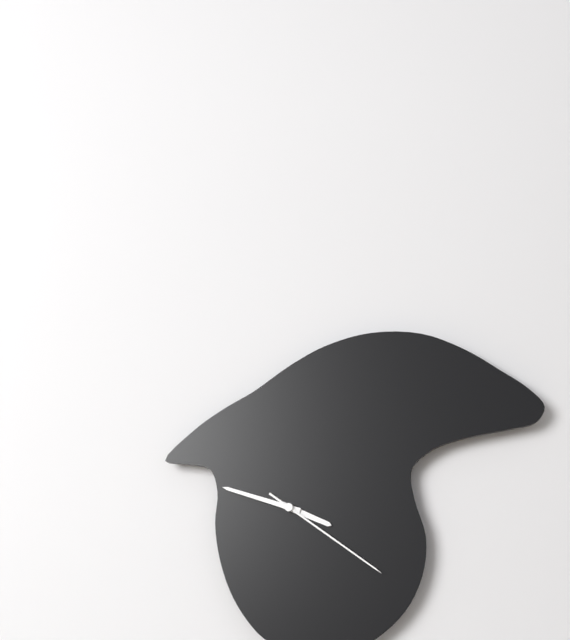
3:48:21
